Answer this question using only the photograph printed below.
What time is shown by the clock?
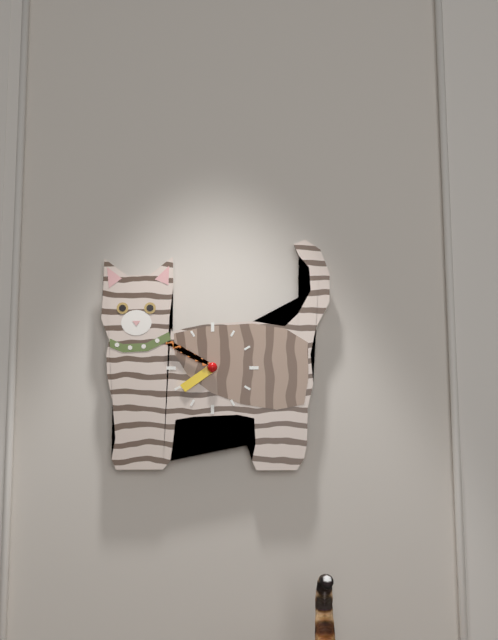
7:50
